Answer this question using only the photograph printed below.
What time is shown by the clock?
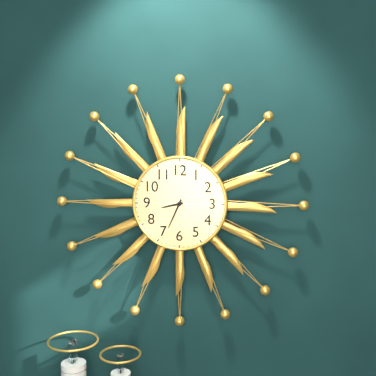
8:34
